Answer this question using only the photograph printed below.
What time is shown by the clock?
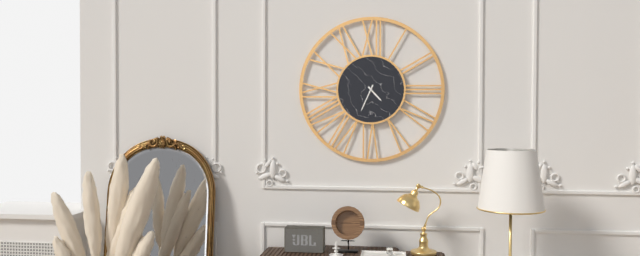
4:34
